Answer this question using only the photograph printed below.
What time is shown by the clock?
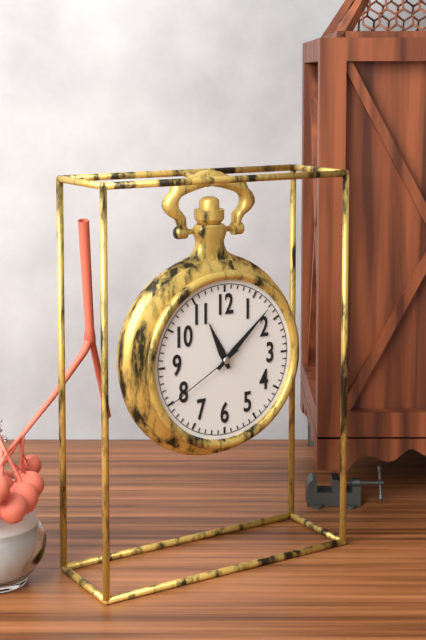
11:08:40
